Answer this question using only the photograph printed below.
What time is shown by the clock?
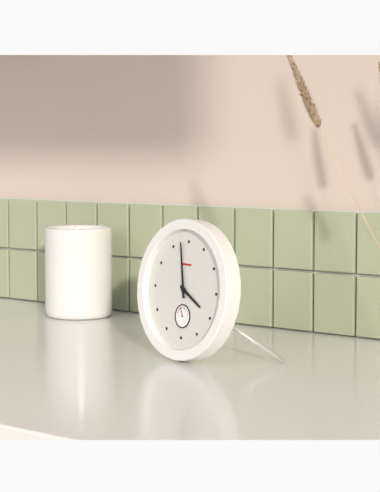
3:58
